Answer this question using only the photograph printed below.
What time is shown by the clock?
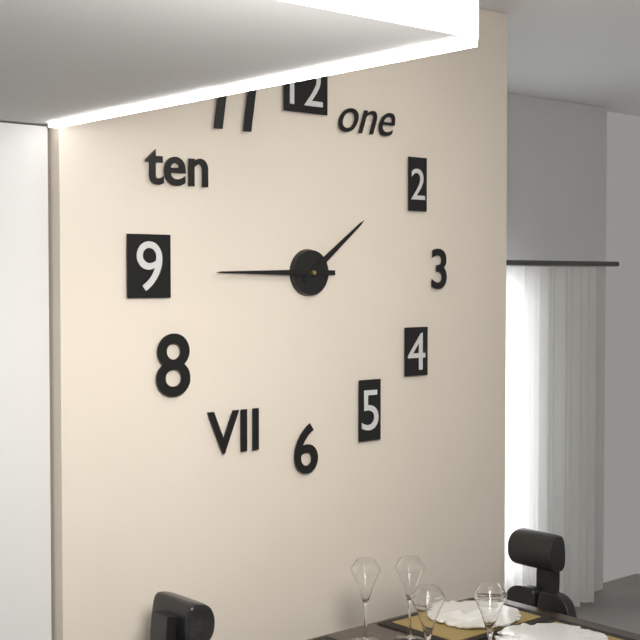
1:45
